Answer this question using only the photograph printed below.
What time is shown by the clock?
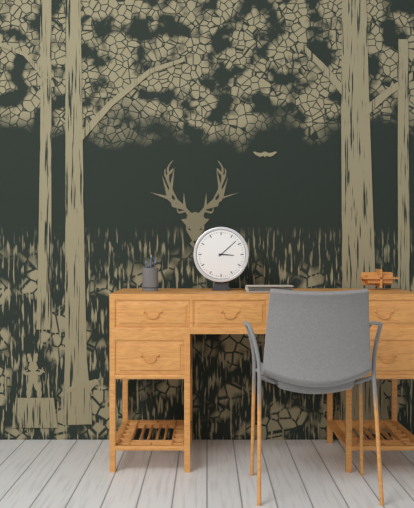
3:08
